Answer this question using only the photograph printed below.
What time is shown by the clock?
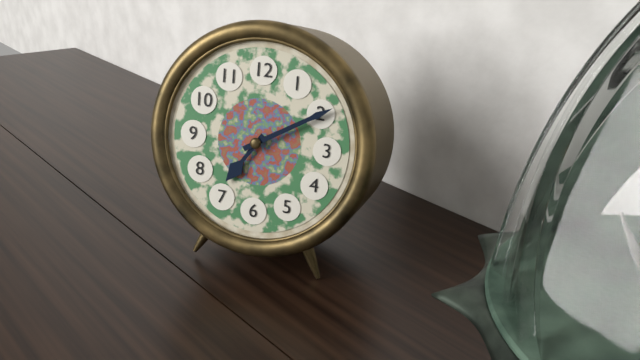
7:10
